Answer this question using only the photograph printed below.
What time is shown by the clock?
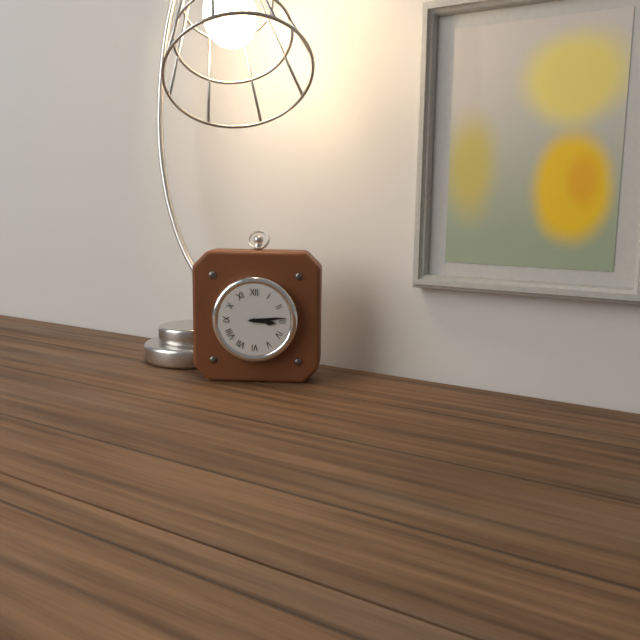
3:14
